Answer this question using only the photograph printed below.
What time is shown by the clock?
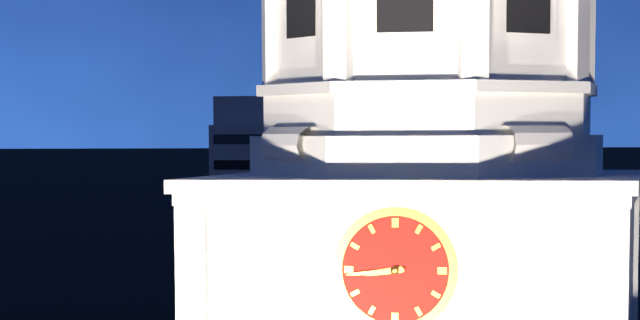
8:44
